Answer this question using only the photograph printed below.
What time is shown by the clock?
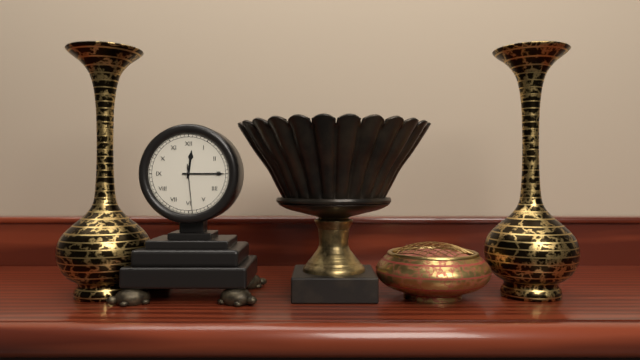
12:15
